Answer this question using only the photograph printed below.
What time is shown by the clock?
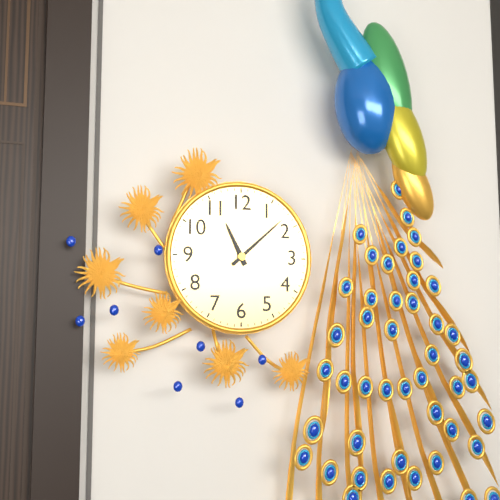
11:08
